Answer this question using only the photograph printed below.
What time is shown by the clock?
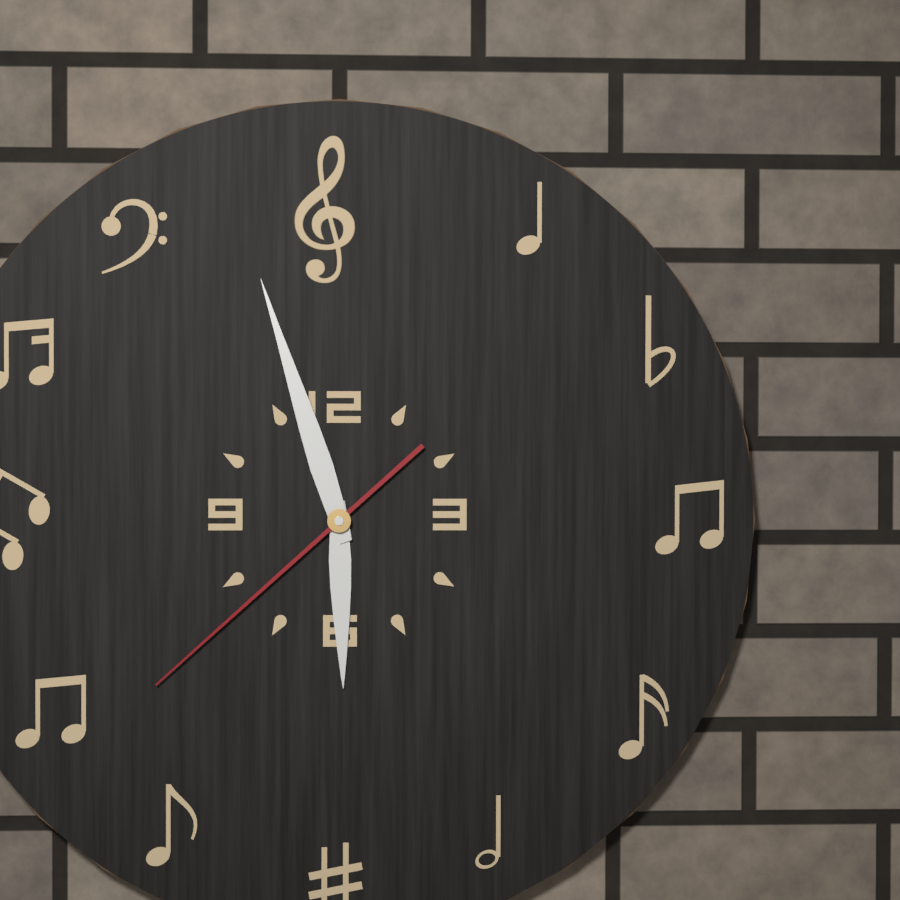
5:57:38
